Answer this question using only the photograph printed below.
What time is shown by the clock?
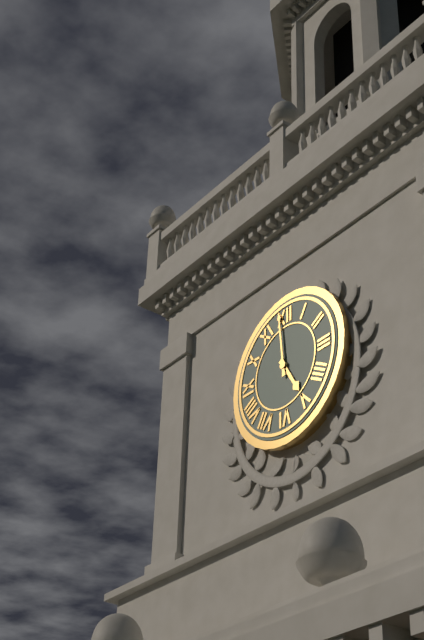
4:59
